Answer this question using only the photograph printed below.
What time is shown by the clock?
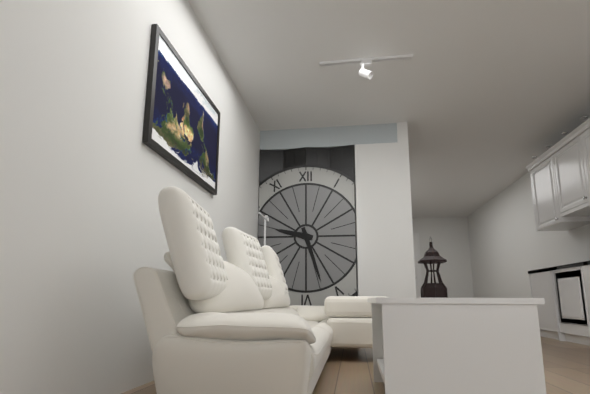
9:27
